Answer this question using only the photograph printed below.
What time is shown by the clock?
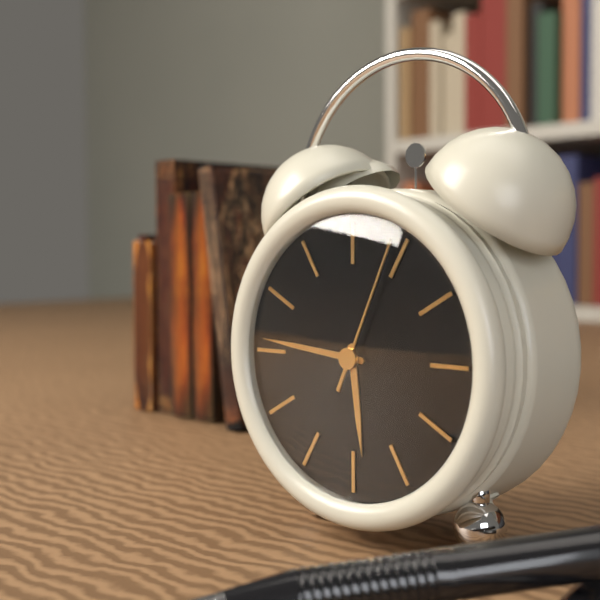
5:46:04
